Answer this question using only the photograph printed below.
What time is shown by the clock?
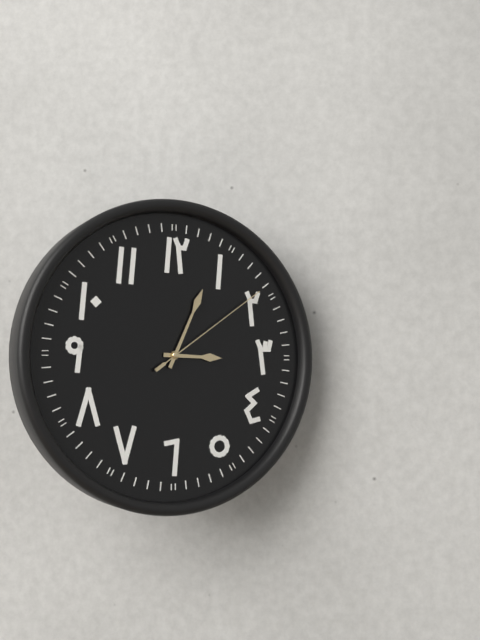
3:04:09
